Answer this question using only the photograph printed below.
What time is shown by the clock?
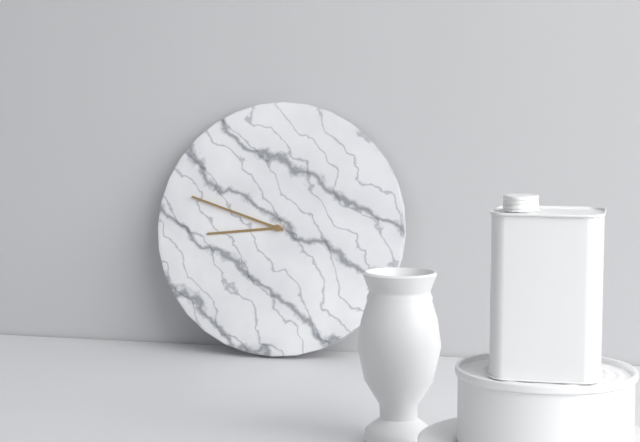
8:48
